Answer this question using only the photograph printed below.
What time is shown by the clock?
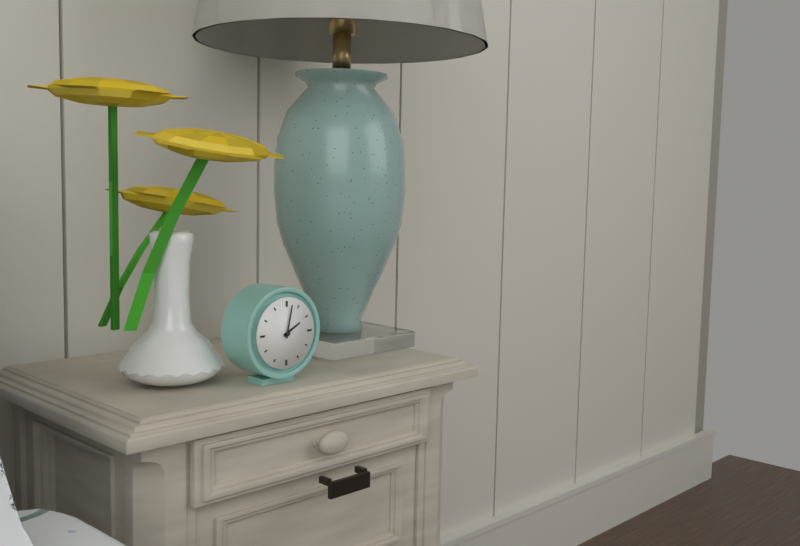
2:02
